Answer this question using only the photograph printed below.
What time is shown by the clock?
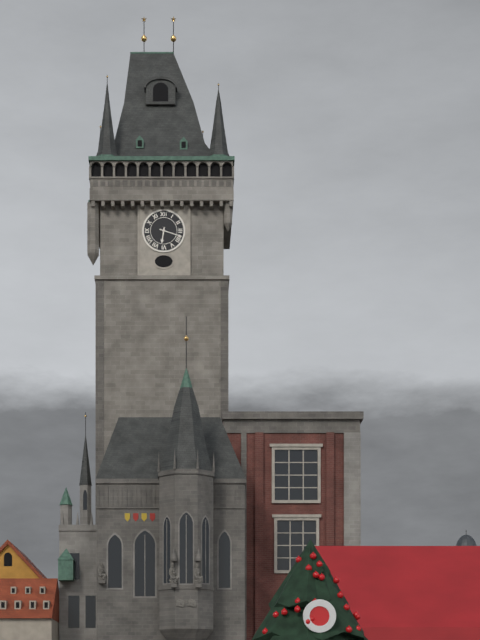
6:18
